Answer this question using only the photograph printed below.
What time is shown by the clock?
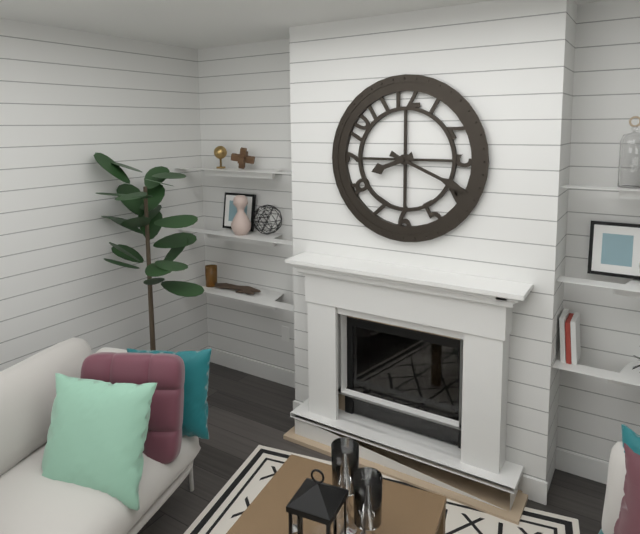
8:19
